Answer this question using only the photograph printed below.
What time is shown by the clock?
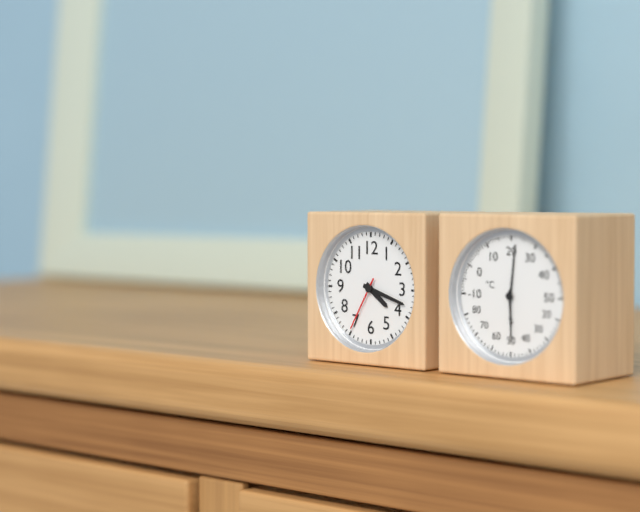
4:18:35
